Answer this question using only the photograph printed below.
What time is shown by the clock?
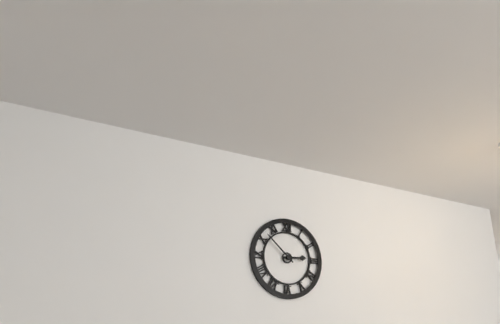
2:52
